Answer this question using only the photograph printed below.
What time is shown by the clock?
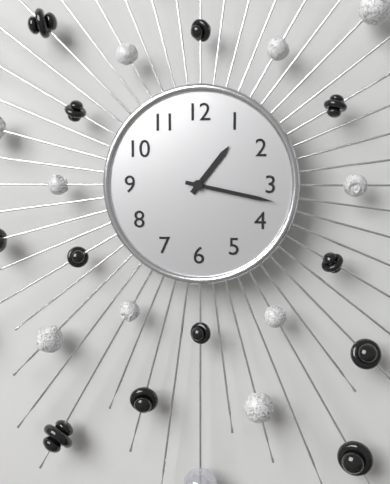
1:17
